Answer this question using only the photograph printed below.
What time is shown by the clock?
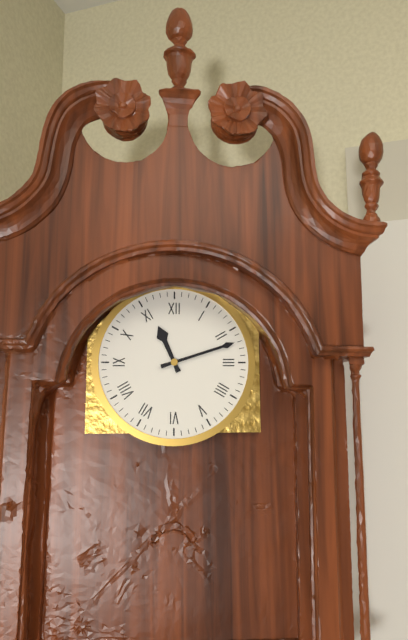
11:12
